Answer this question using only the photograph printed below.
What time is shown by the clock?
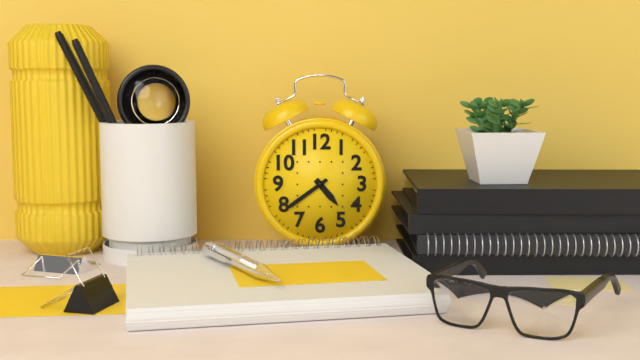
4:39
